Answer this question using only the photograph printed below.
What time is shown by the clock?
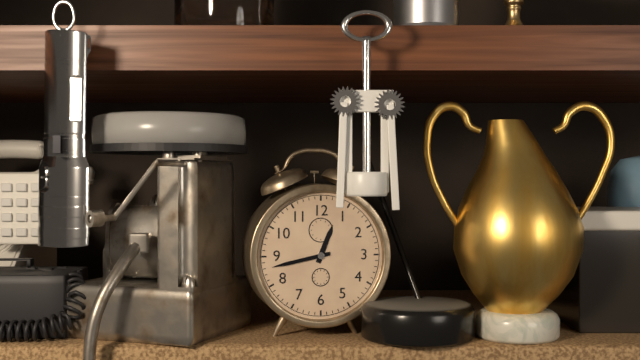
12:43
